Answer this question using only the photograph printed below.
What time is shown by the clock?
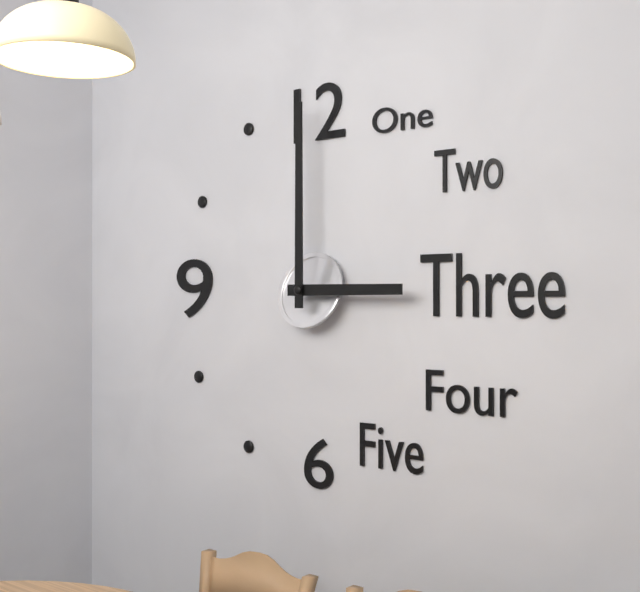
3:00
